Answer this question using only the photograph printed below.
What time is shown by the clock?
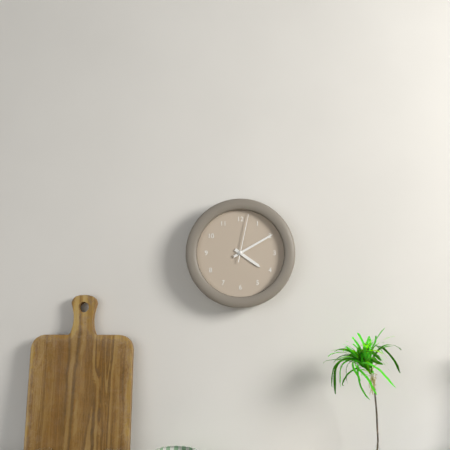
4:10
